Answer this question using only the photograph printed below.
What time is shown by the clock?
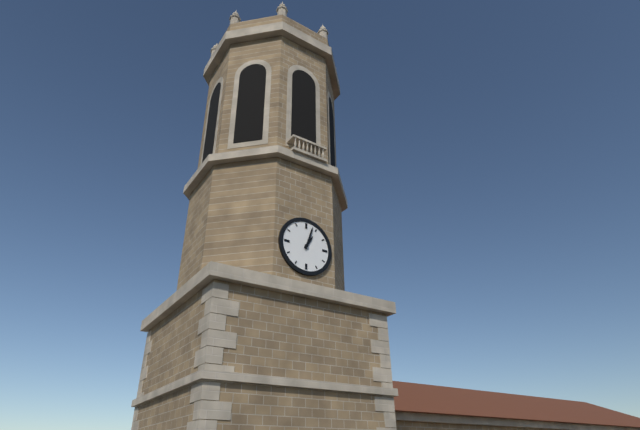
1:03
